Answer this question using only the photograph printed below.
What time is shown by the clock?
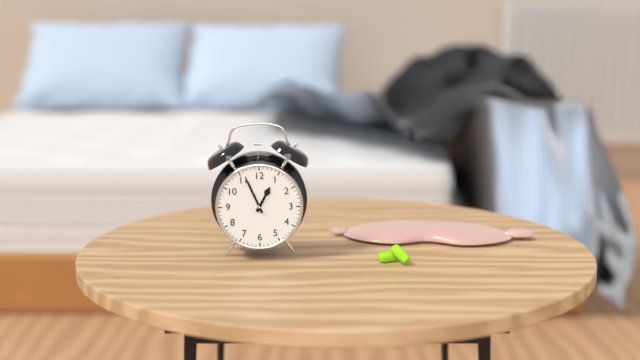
12:56
